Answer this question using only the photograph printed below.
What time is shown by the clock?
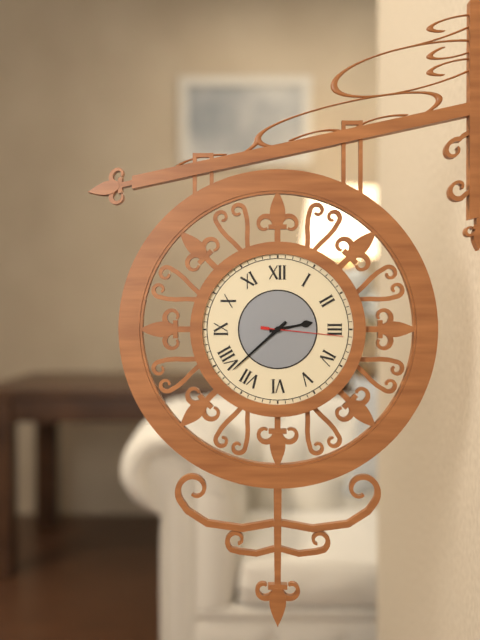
2:38:16
